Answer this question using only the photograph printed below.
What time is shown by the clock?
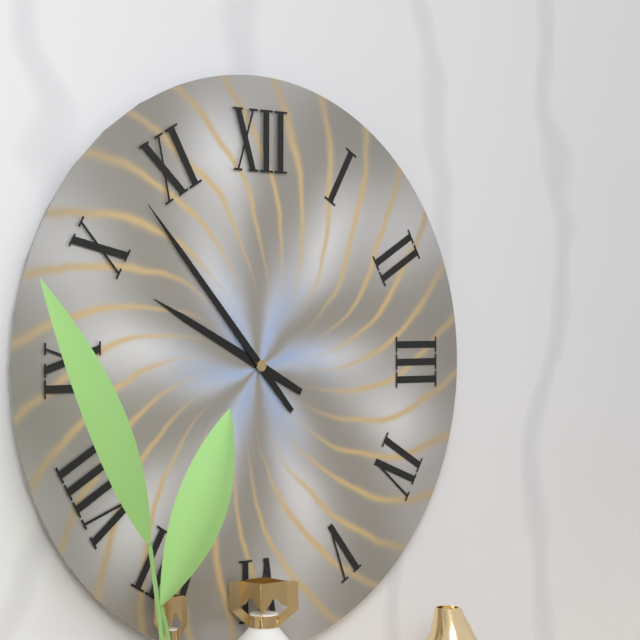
9:53
